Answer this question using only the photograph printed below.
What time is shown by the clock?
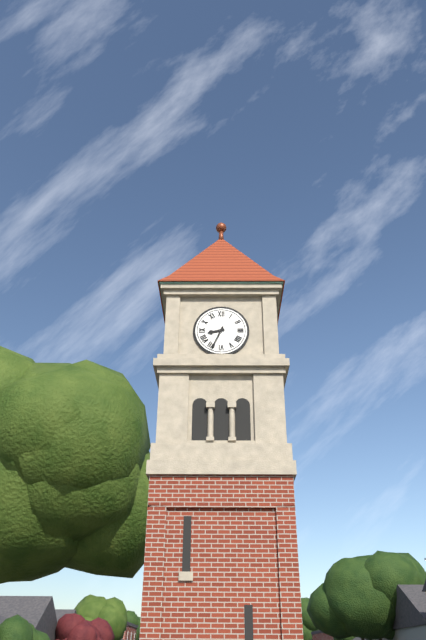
8:34
